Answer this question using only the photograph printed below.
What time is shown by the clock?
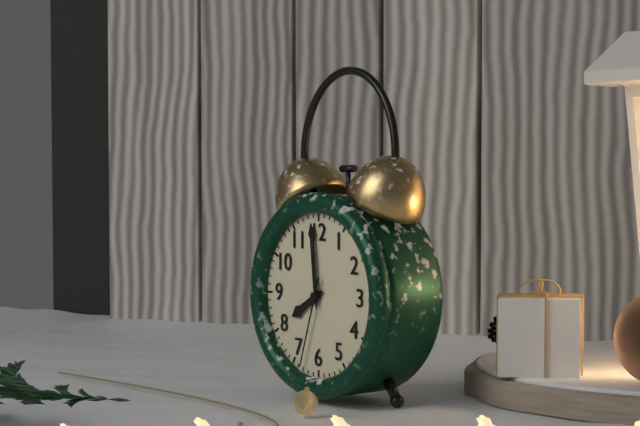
7:59:33
